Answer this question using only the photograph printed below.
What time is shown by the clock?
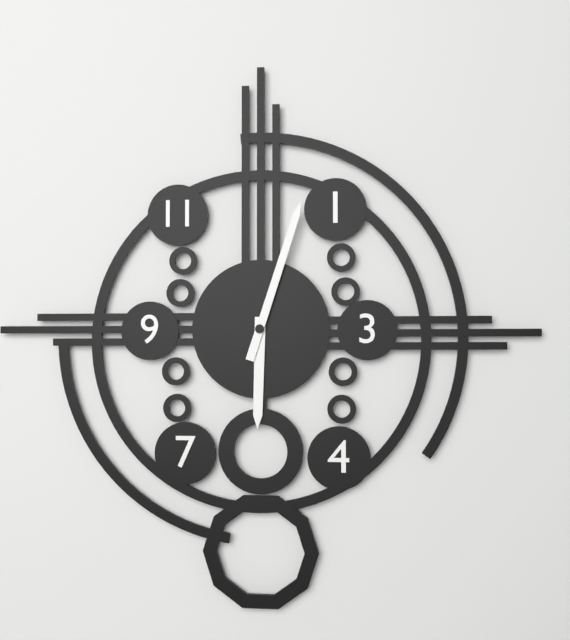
6:03
